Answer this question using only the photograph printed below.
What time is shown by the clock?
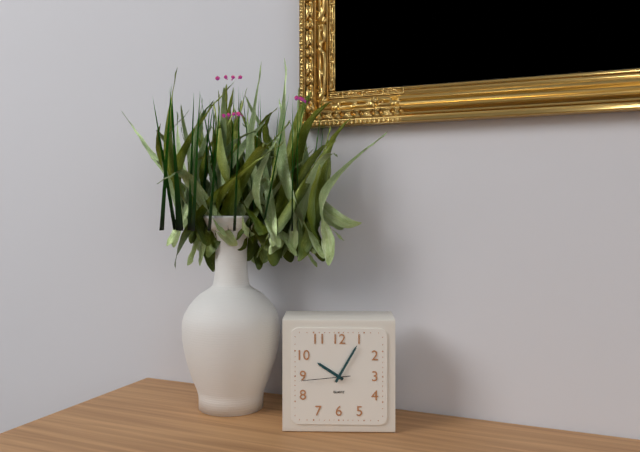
10:05
